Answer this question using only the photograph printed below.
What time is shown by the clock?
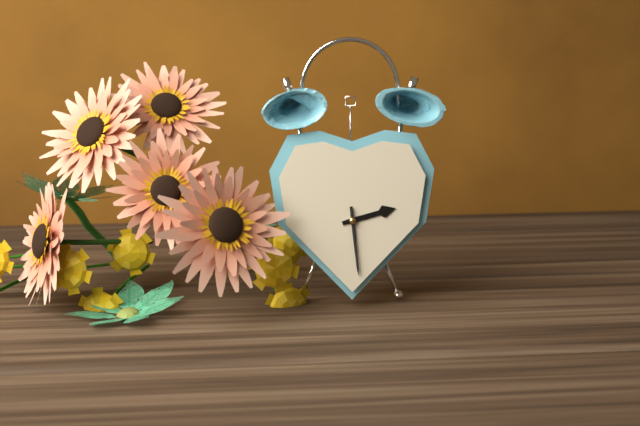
2:29:29
